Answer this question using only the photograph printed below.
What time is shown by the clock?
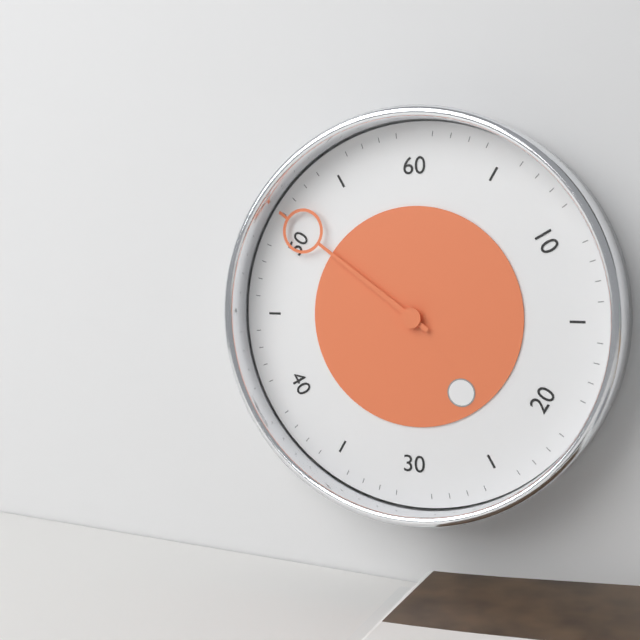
4:51
